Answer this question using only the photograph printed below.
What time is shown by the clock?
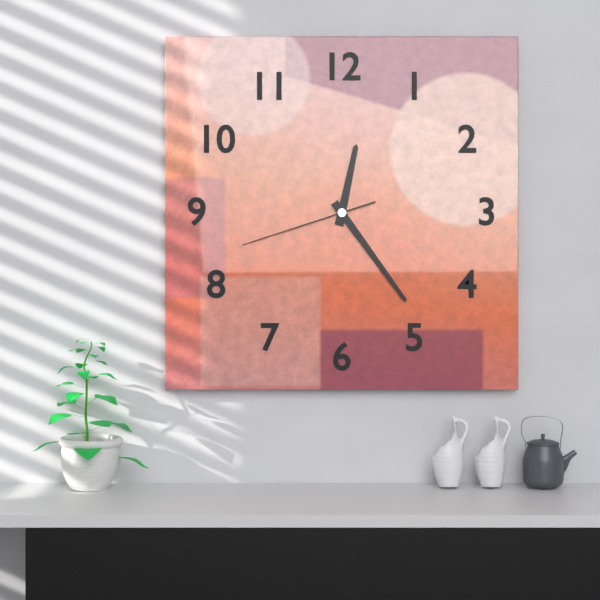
12:24:42
